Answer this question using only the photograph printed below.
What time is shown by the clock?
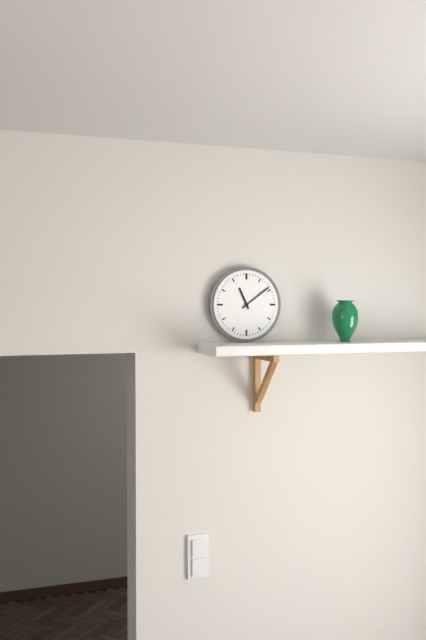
11:09
